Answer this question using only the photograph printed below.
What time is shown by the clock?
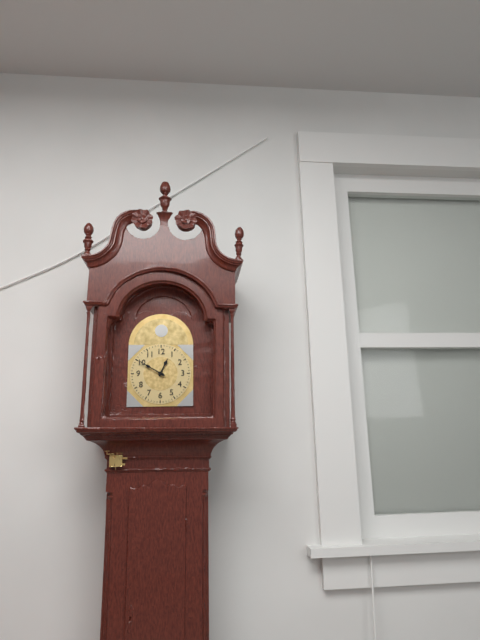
12:50
